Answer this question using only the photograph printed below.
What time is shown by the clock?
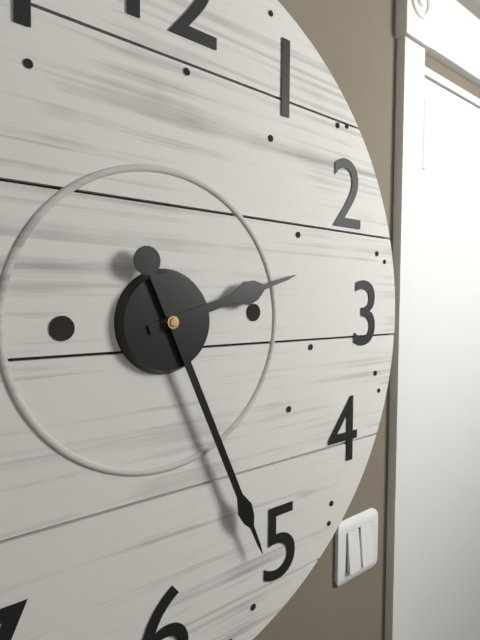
2:26
